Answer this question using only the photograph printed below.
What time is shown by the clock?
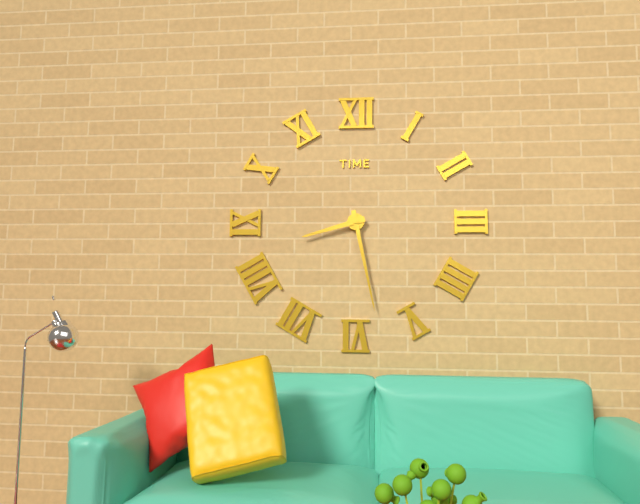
8:28
